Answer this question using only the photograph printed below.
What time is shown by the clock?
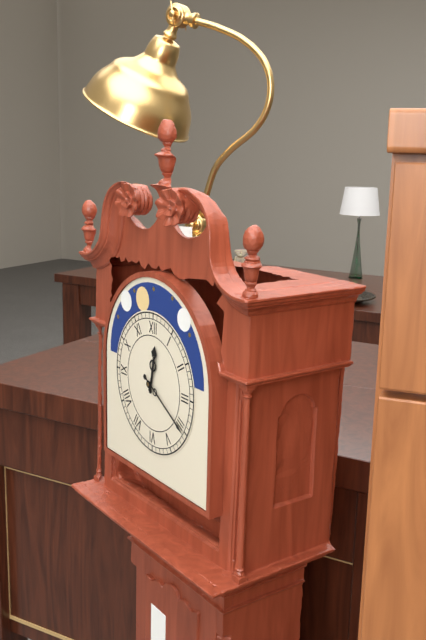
12:20
